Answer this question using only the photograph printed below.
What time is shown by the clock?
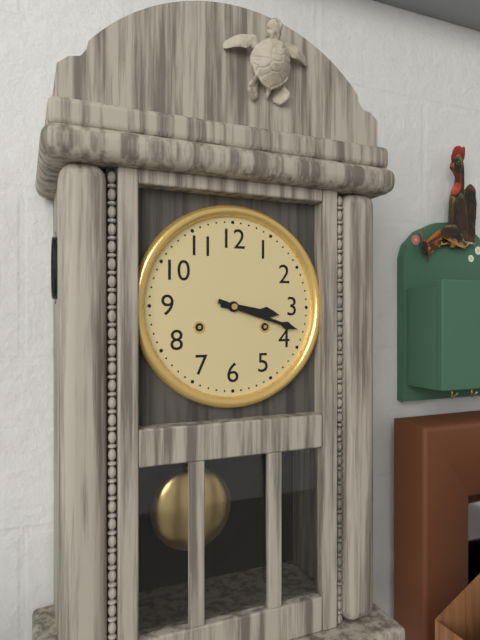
3:18
